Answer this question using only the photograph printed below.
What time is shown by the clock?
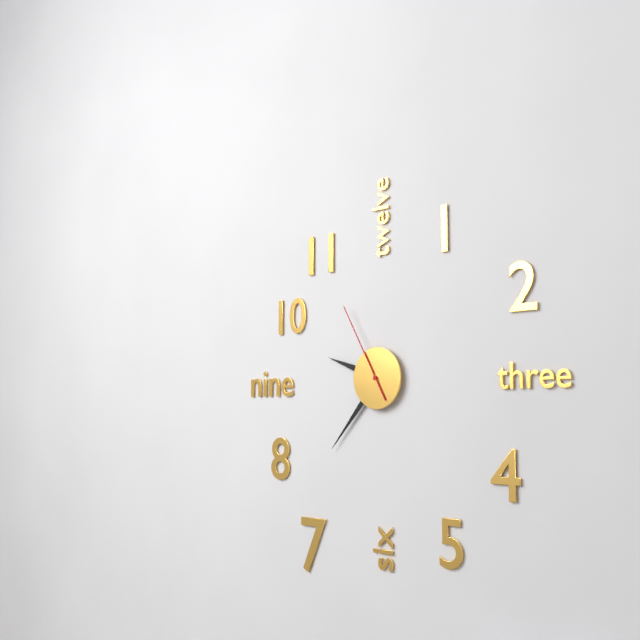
9:37:55
